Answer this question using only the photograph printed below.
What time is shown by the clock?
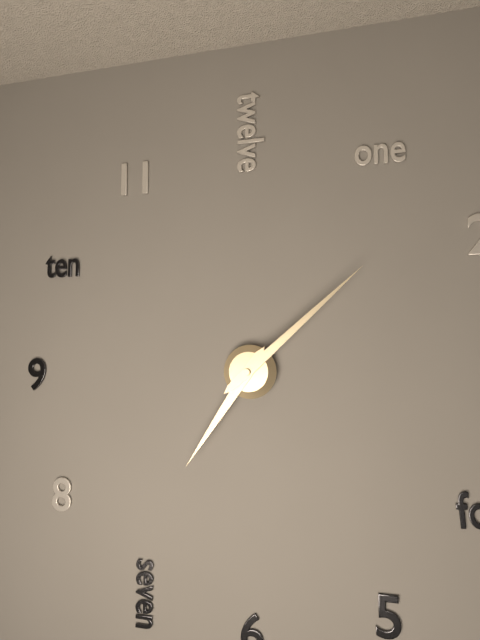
7:08
